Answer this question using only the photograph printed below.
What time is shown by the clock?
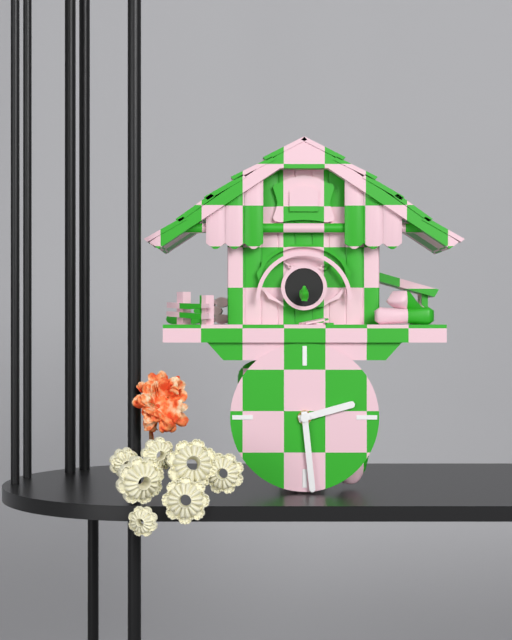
2:29
